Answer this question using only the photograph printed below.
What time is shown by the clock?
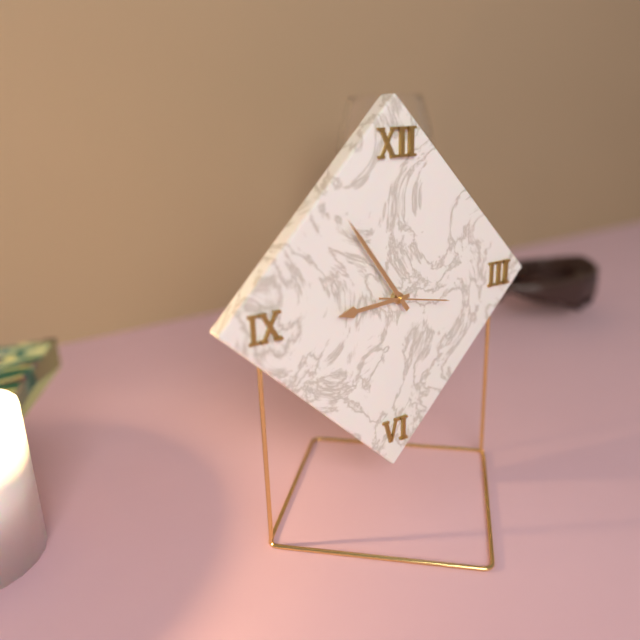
8:54:17
